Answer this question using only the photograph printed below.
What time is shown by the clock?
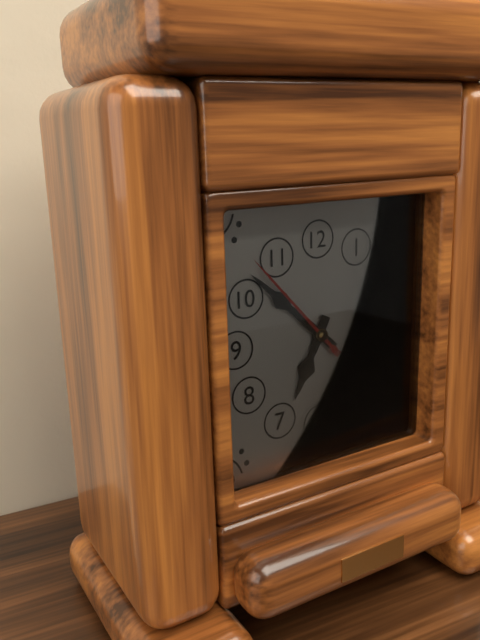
6:52:53
